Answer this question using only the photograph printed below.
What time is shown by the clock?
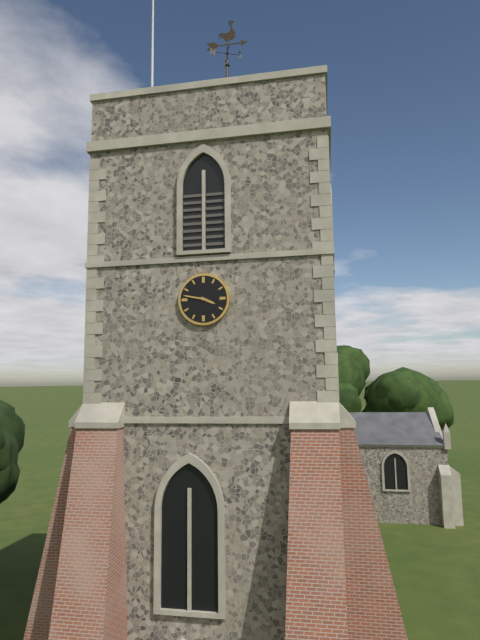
3:47
